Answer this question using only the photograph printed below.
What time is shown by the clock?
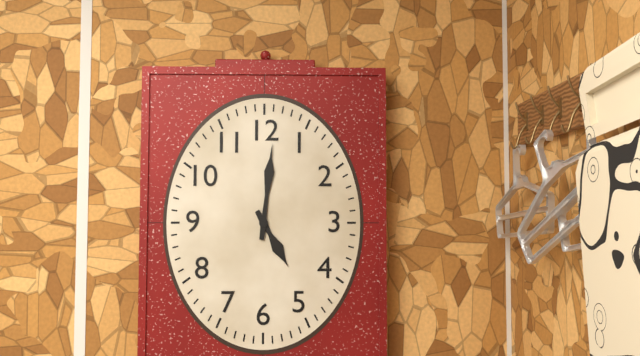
5:01
